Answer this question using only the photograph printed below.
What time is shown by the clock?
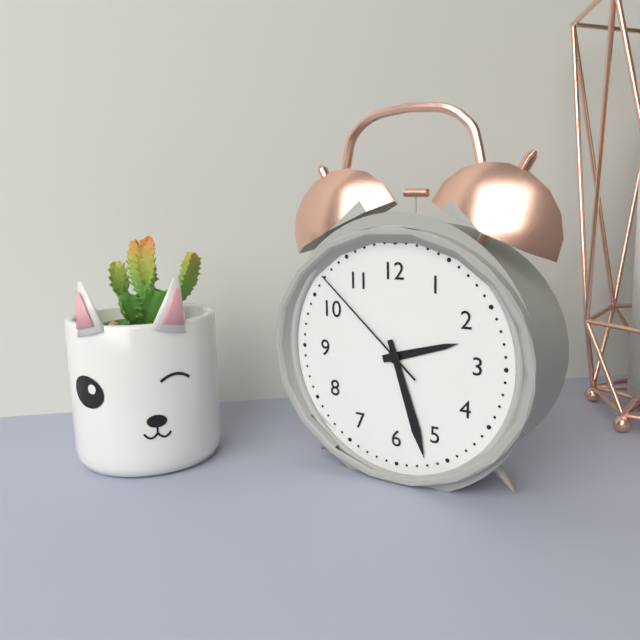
2:27:52
